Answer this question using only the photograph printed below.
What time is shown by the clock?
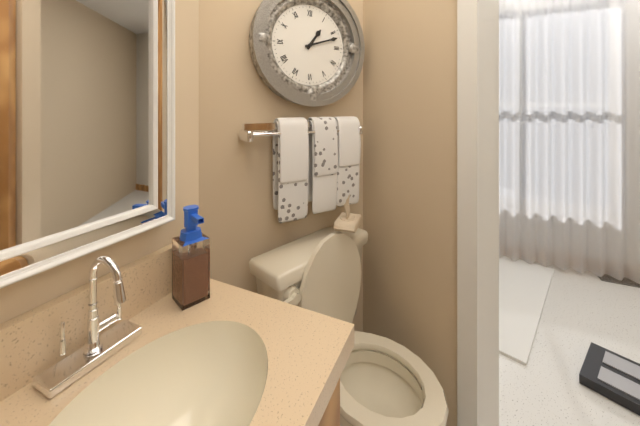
1:12
